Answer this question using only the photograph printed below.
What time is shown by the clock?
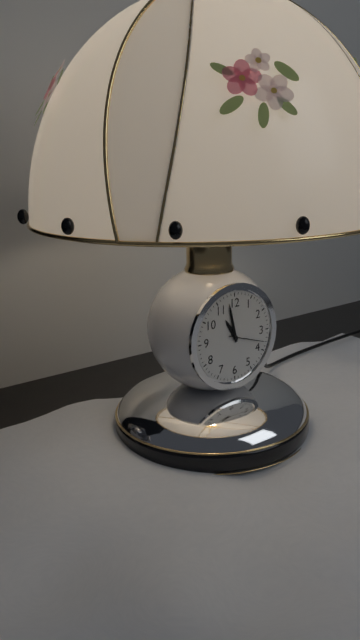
10:58
